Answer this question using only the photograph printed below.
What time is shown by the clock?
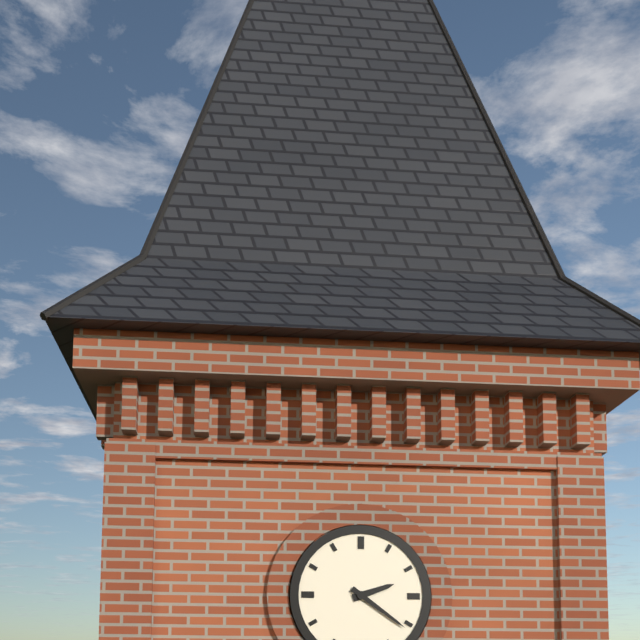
2:21
